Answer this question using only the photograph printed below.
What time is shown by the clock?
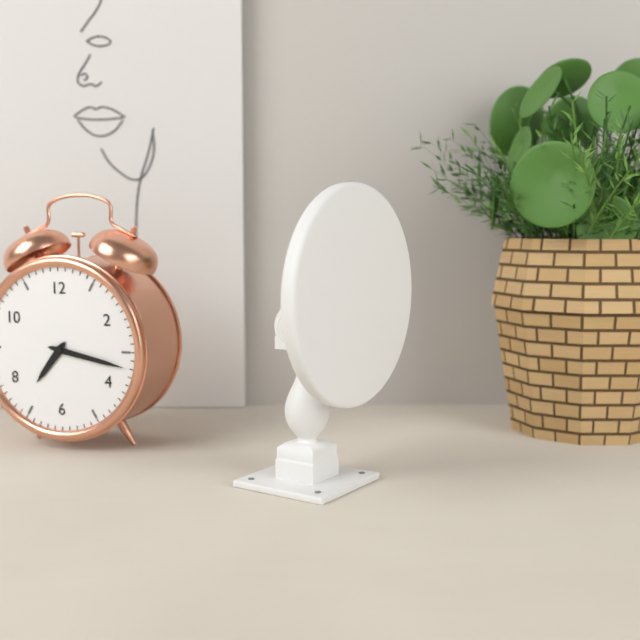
7:17
